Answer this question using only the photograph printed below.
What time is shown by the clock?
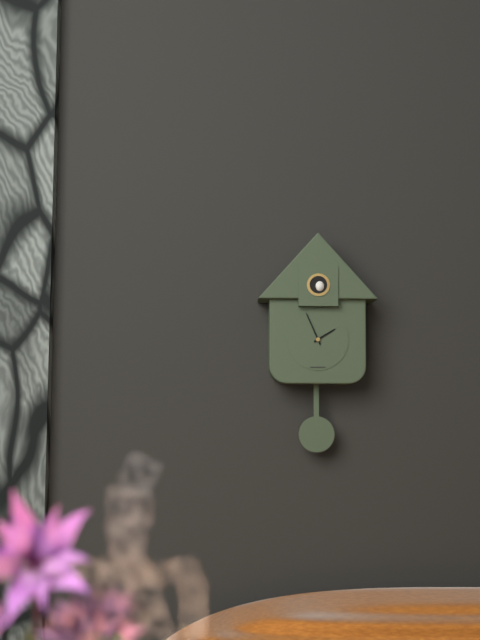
1:56
